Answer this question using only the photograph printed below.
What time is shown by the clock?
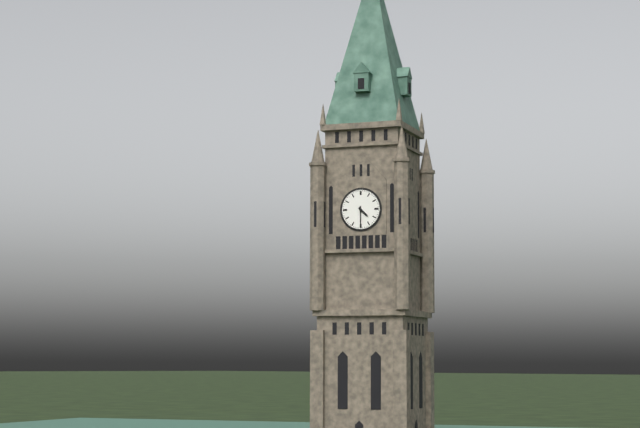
4:30
